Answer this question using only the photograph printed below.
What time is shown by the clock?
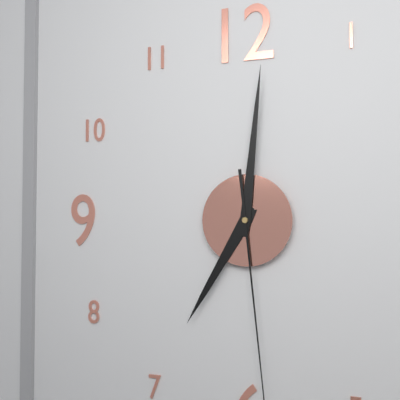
7:01
